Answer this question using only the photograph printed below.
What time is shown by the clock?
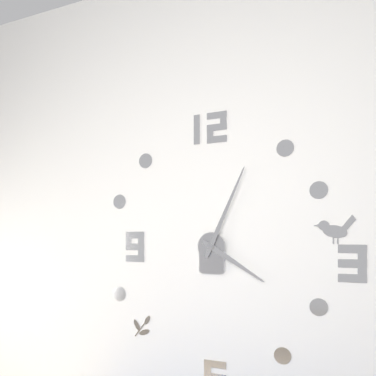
4:04
